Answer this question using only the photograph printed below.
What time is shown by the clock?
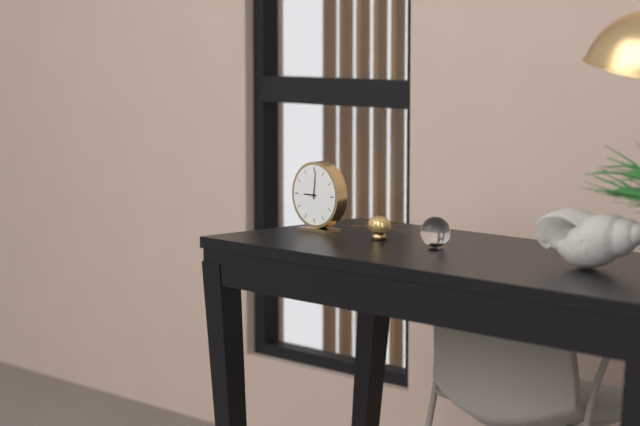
9:01
